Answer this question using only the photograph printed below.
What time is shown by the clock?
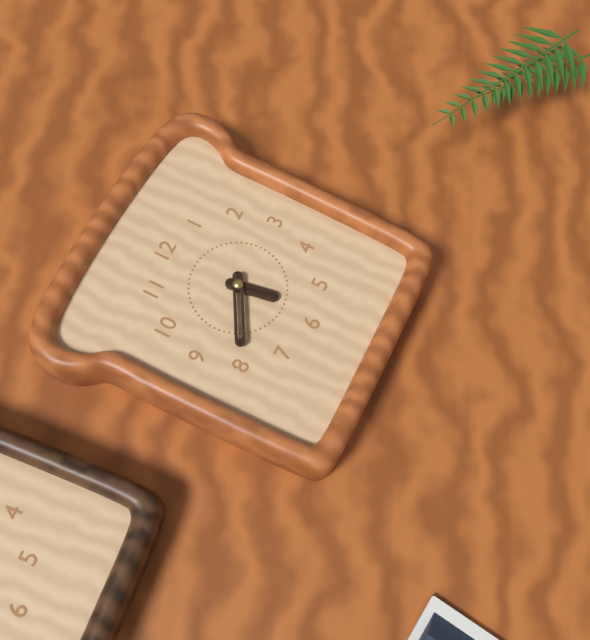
5:40
